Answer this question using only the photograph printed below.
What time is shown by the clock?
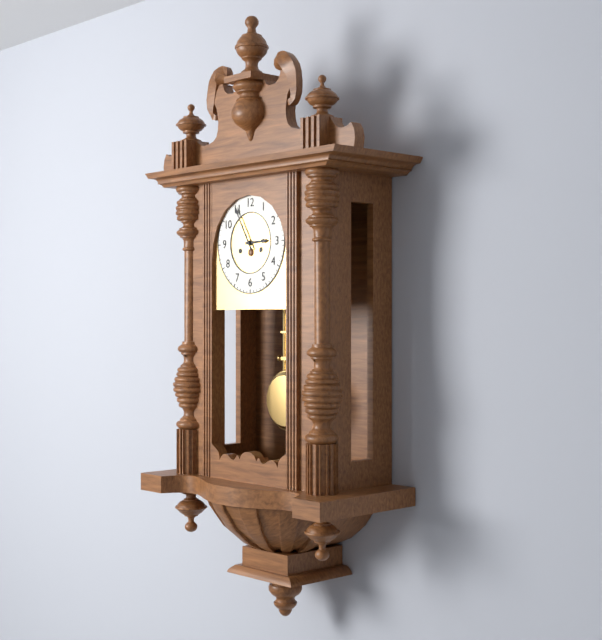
2:55
